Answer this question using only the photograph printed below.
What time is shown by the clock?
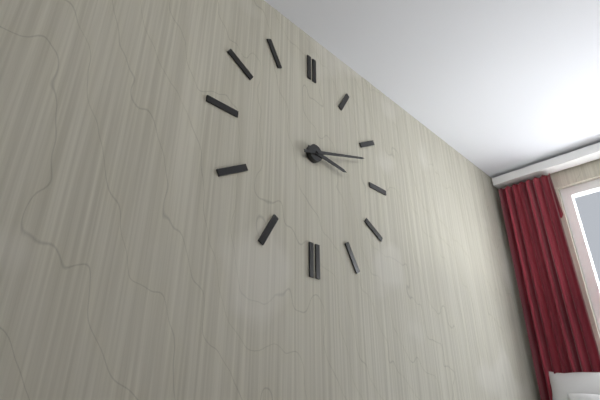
3:12
